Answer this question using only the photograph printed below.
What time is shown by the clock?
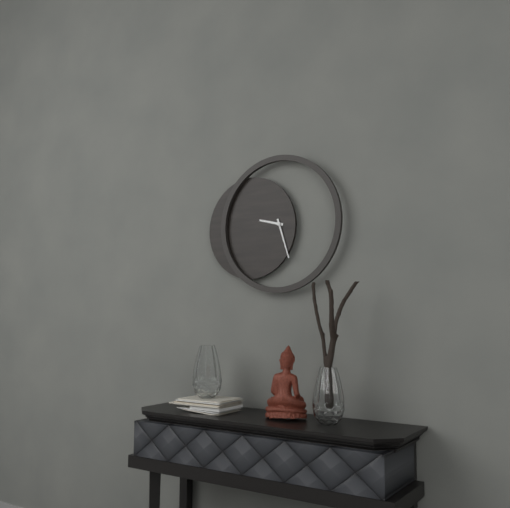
9:27
